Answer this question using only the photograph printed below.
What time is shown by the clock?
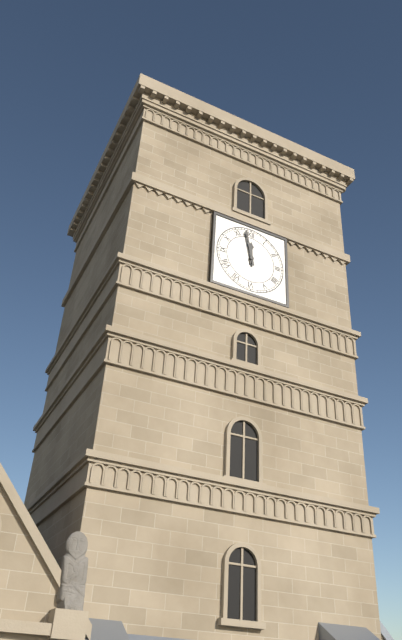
11:58
